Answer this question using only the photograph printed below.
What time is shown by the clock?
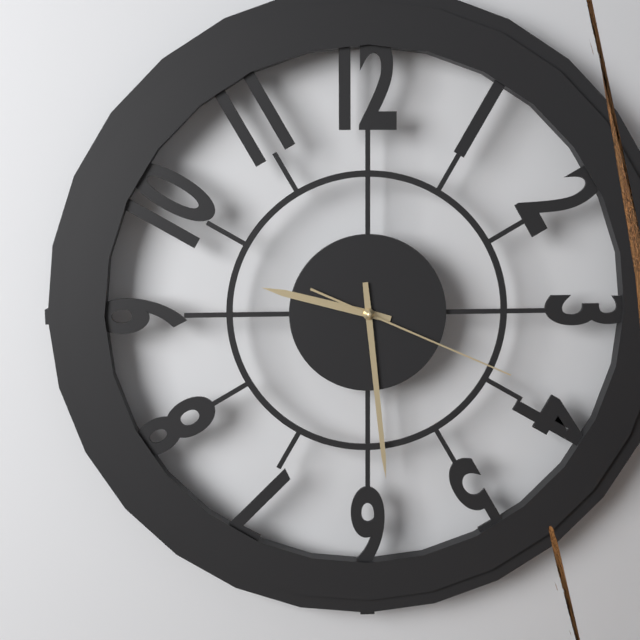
9:29:19
